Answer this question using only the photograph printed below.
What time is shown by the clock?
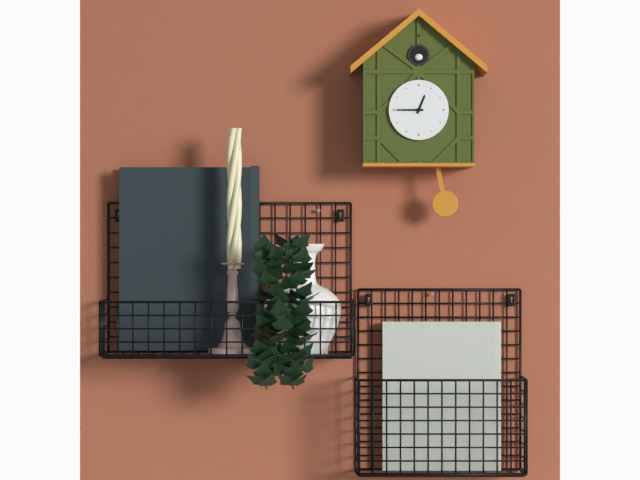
12:45
